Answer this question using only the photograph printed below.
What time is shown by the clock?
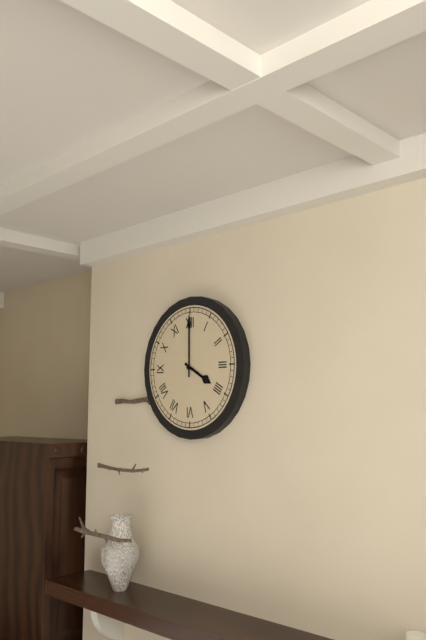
4:00
